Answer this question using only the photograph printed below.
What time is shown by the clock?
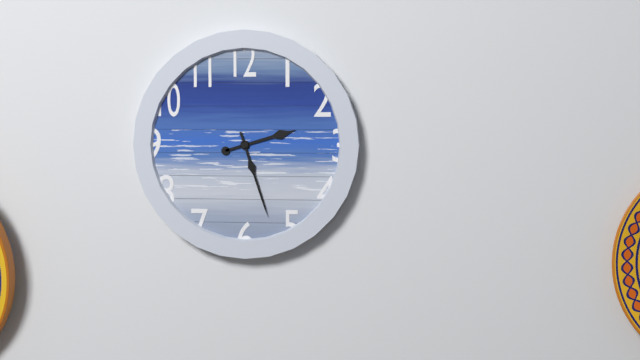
2:27
